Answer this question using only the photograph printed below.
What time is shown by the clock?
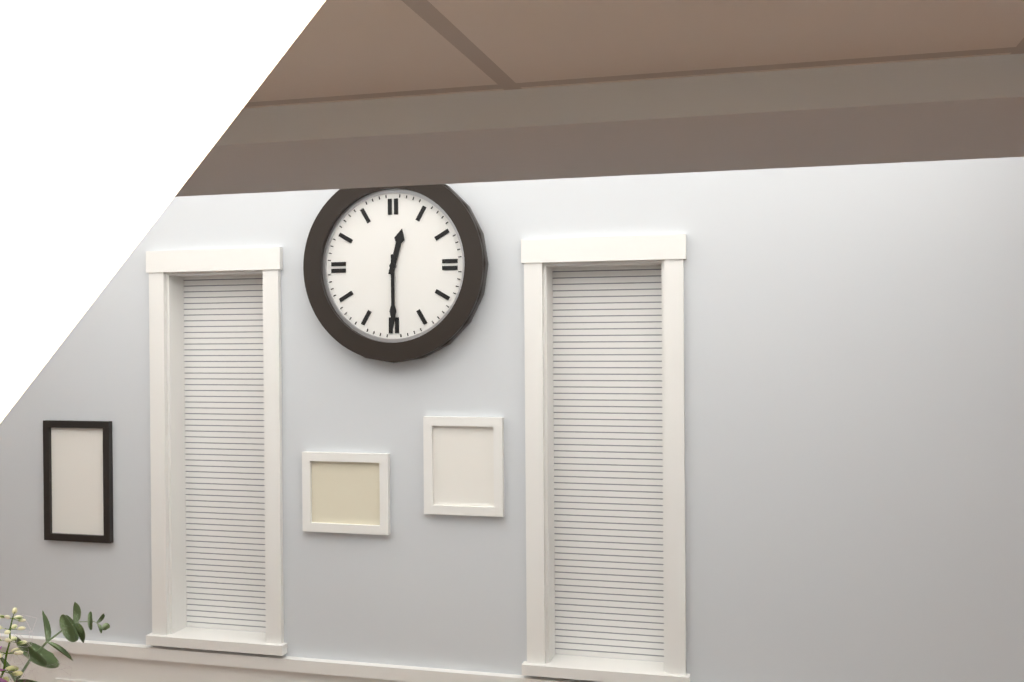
12:30
